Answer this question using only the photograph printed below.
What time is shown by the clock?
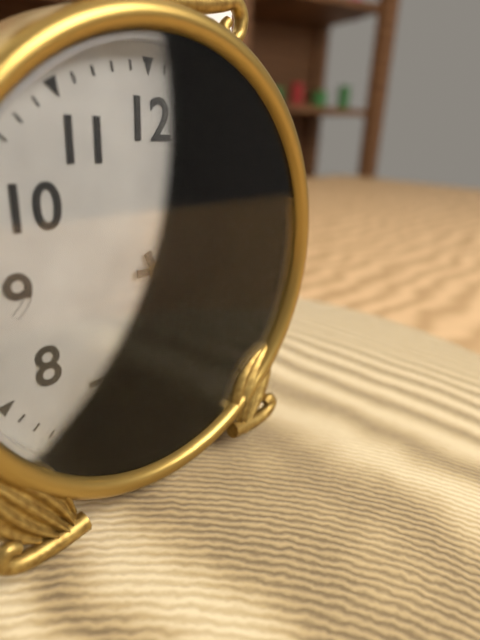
5:15
